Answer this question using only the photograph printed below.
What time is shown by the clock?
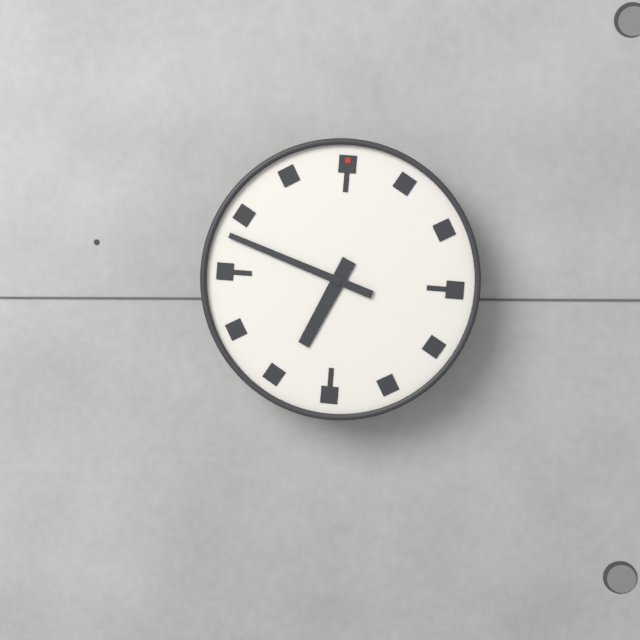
6:48
